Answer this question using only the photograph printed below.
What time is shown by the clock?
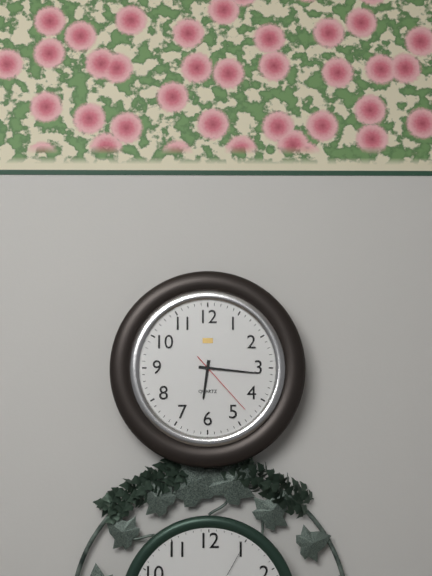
6:16:23
